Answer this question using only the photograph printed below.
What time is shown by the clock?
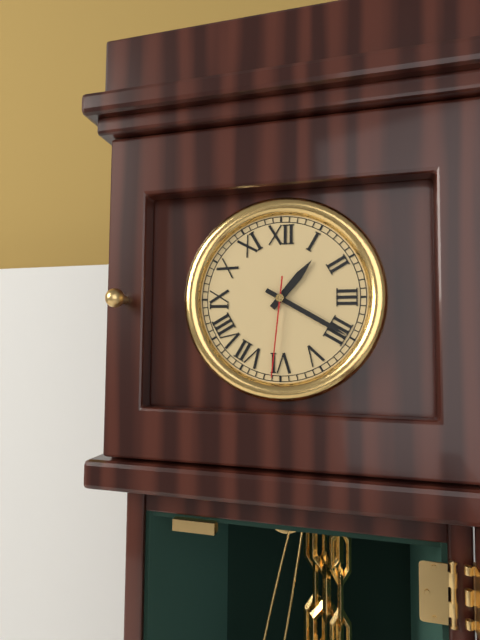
1:20:31
